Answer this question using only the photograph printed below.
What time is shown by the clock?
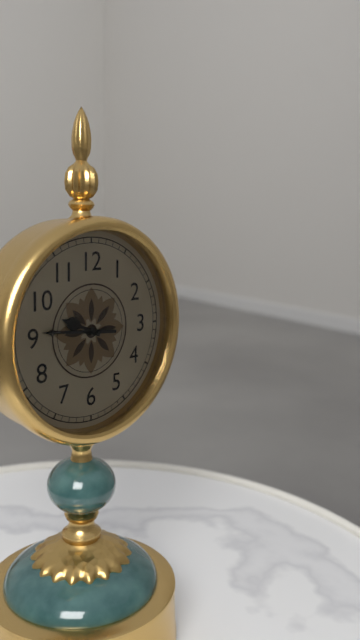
9:46
